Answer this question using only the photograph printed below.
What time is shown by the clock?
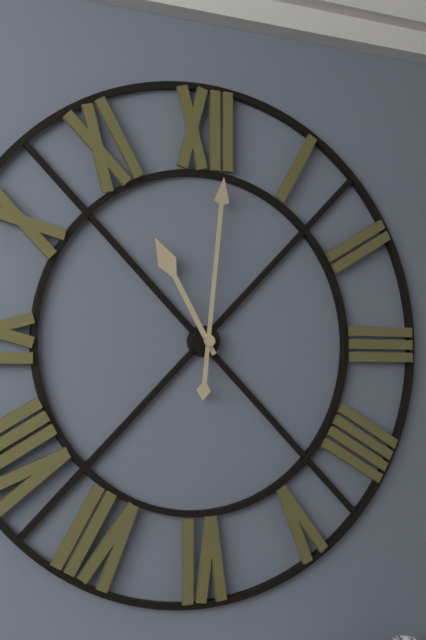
11:01
